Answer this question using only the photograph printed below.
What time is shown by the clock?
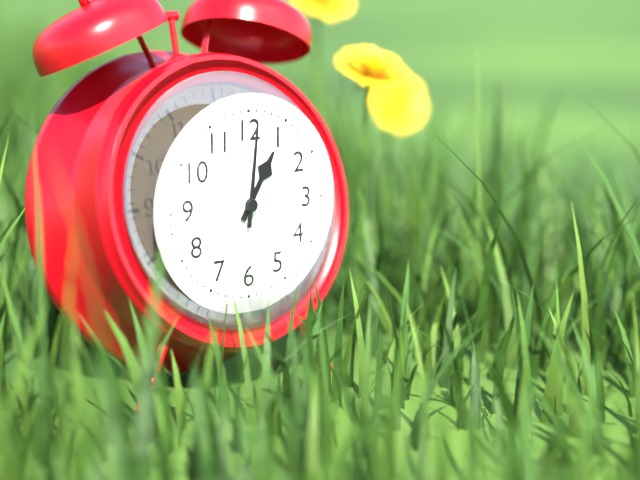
1:01
